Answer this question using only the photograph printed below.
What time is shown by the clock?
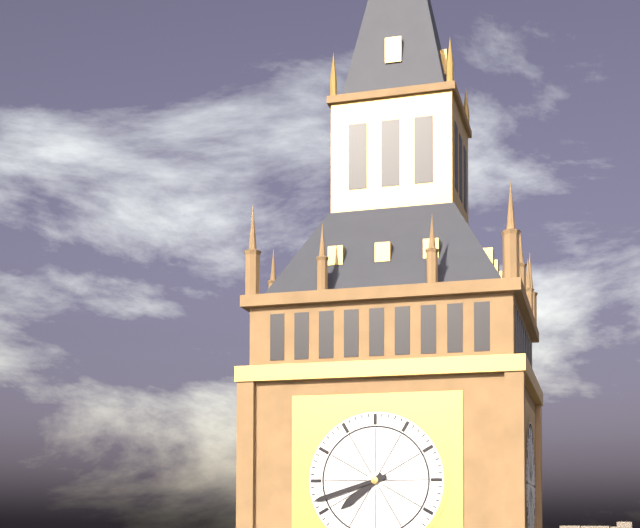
7:42
